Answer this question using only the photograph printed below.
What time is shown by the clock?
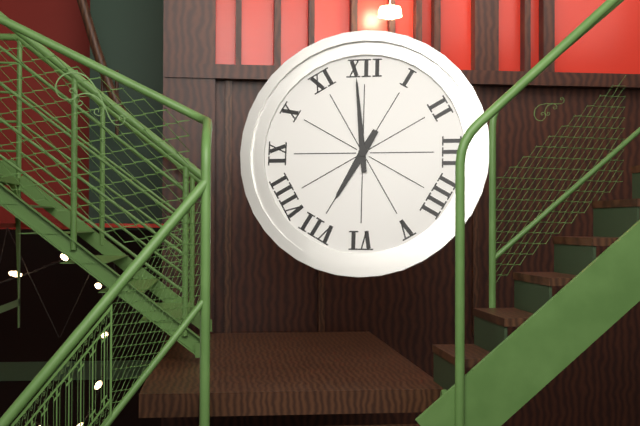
6:59
